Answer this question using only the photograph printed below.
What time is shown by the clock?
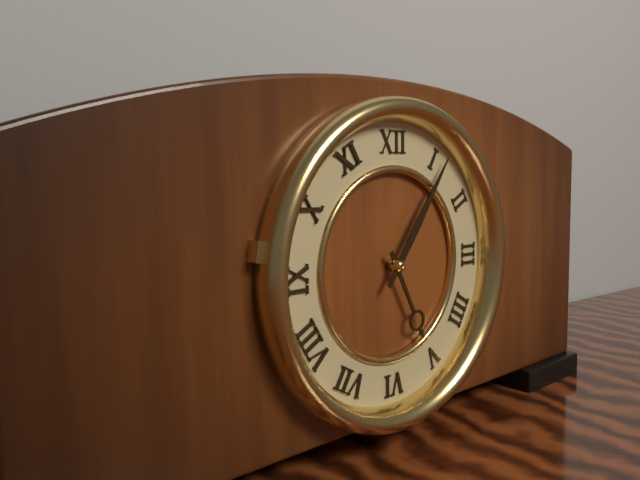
5:06
